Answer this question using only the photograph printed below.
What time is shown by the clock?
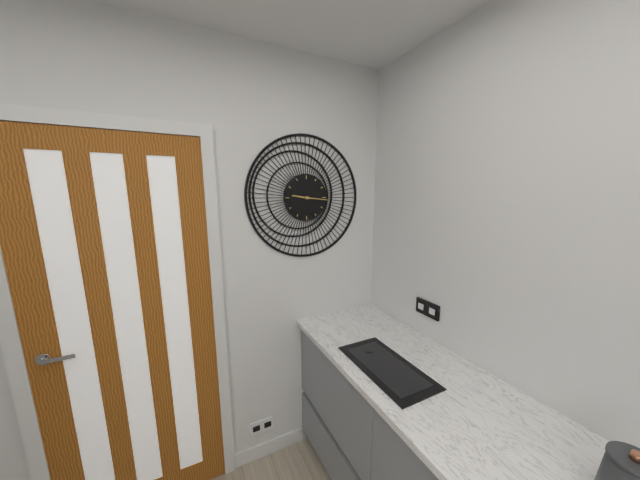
9:16
